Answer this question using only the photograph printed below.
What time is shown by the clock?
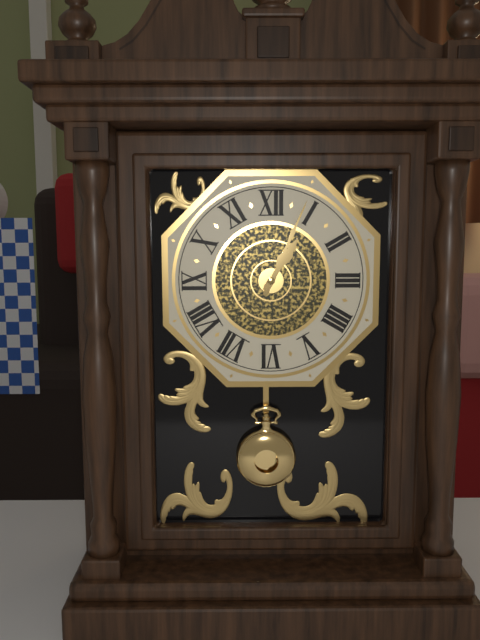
1:04
